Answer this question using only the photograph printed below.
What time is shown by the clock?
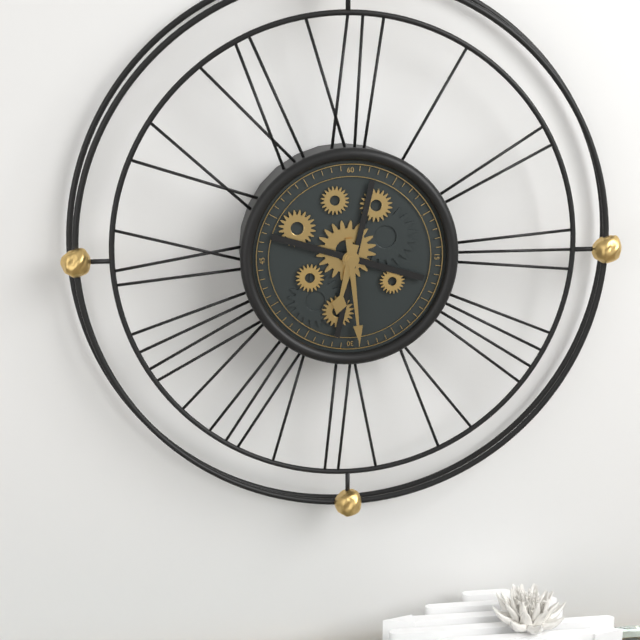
6:29
